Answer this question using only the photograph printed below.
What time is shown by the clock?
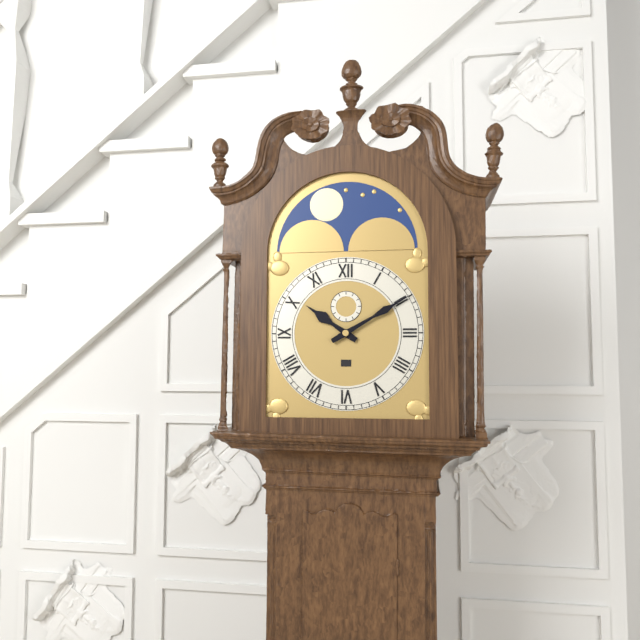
10:10
